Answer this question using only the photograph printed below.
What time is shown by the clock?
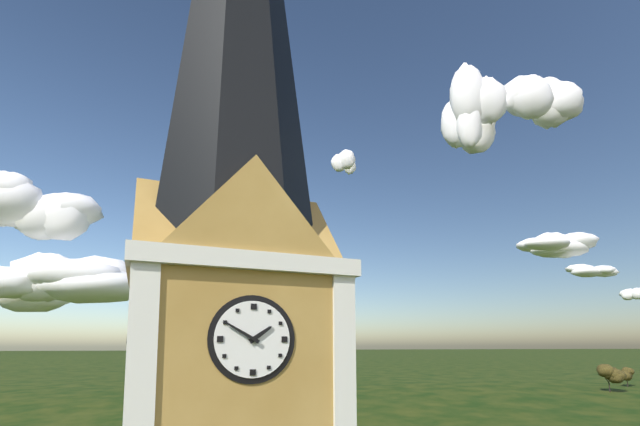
1:50
